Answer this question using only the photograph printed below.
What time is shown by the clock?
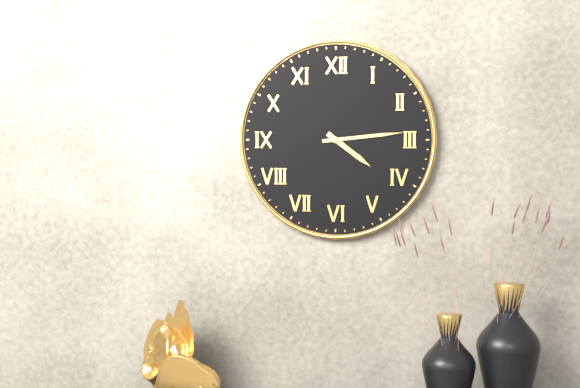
4:14
